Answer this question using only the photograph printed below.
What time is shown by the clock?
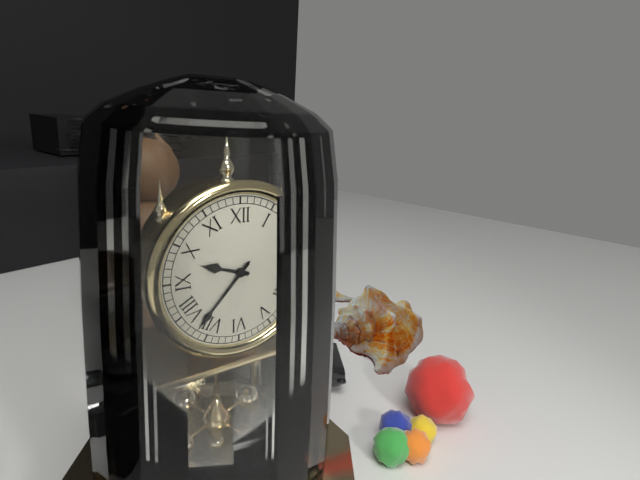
9:37
